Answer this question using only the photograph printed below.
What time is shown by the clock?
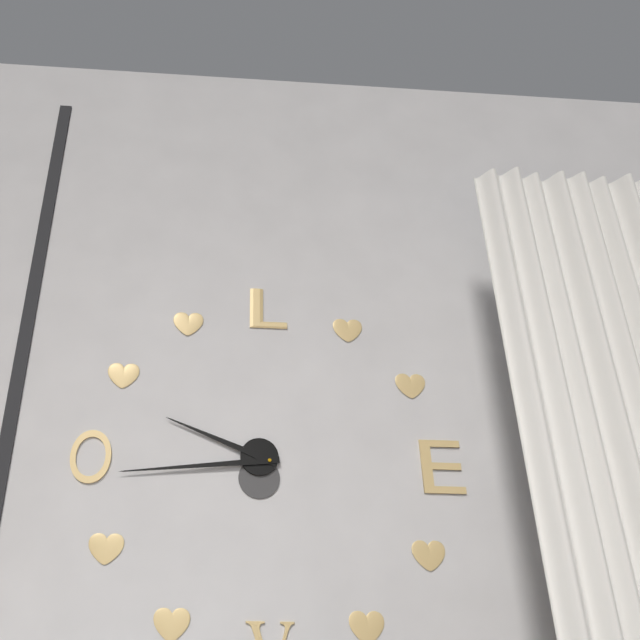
9:44
